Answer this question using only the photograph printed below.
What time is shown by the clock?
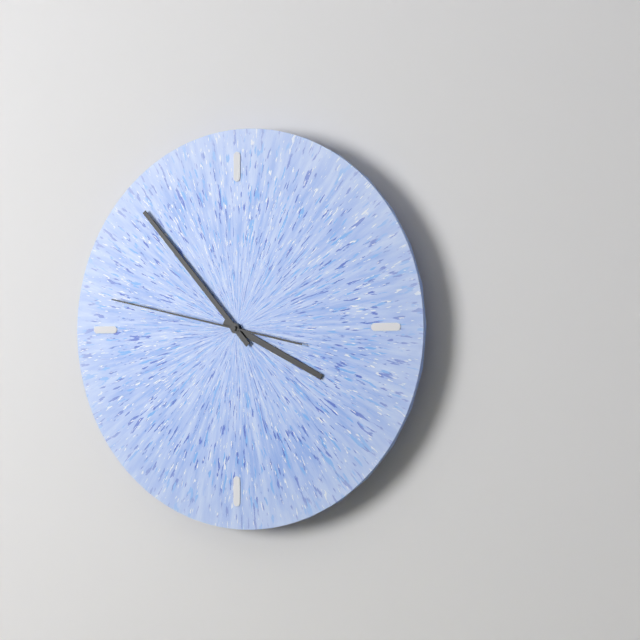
3:53:47
